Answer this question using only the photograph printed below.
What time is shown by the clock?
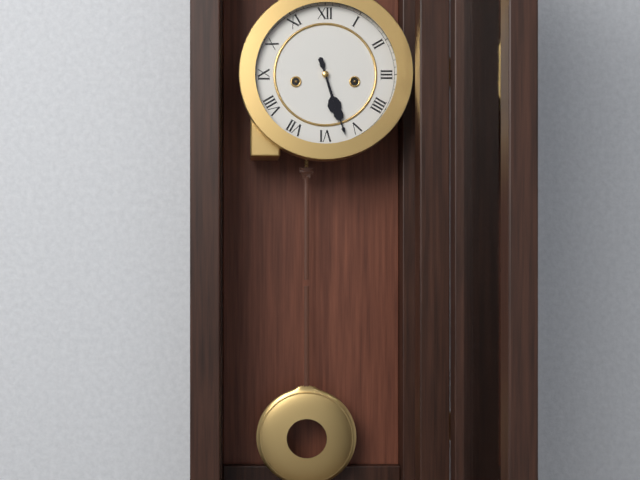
5:27
